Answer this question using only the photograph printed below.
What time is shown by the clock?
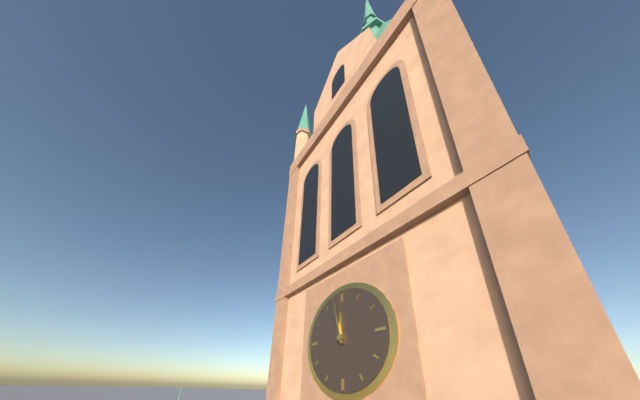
11:58
